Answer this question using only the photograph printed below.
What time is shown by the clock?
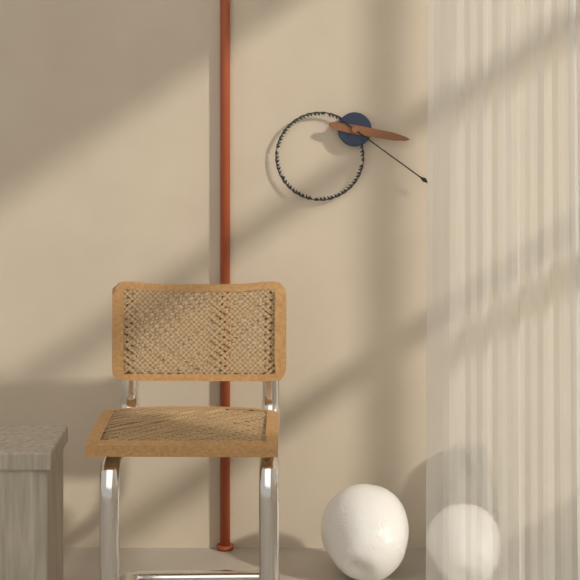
3:21
